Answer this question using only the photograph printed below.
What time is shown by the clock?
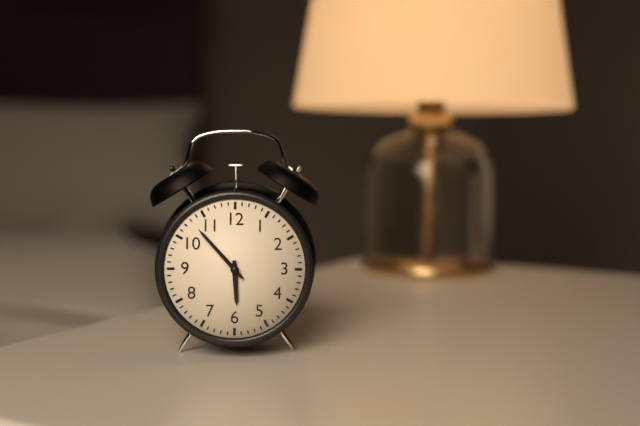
5:53
